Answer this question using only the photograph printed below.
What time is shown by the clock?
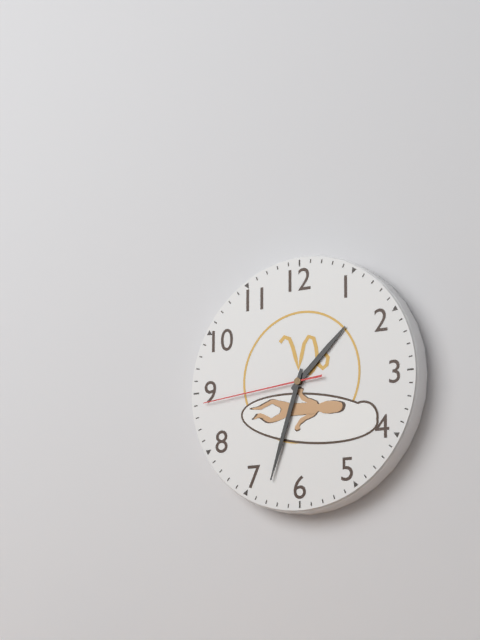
1:33:44
